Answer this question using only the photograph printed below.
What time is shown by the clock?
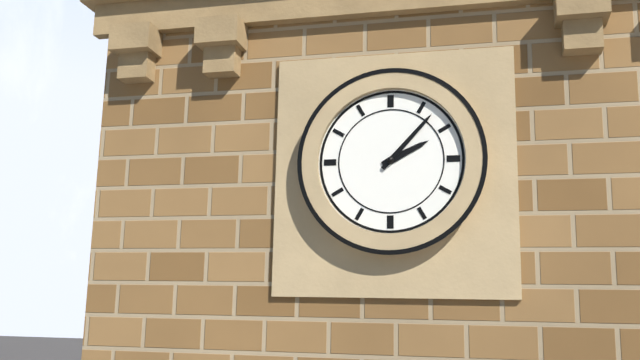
2:07
